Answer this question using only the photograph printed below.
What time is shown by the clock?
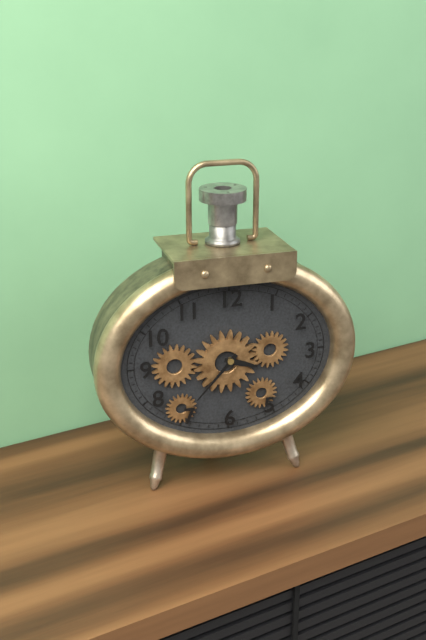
3:37
